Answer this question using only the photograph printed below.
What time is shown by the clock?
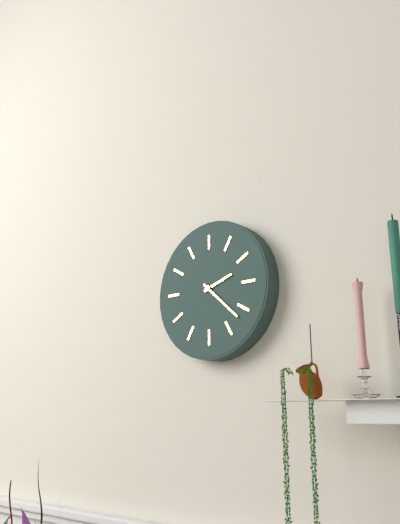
2:22
